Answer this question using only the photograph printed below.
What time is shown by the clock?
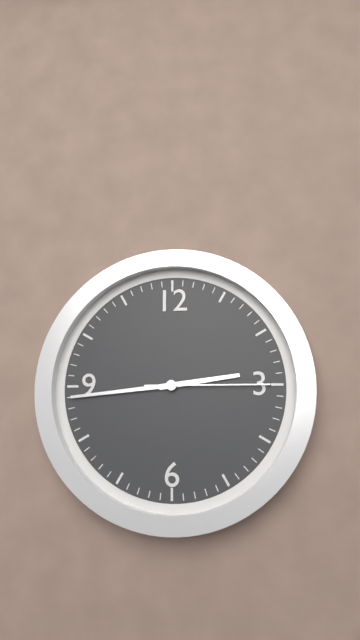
2:44:15
